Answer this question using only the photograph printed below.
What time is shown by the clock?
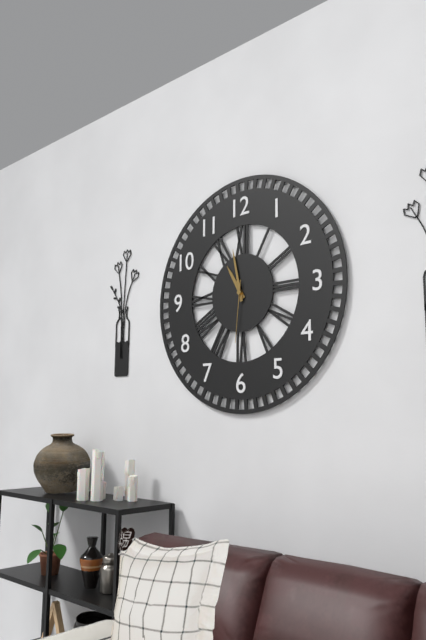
10:58:31
